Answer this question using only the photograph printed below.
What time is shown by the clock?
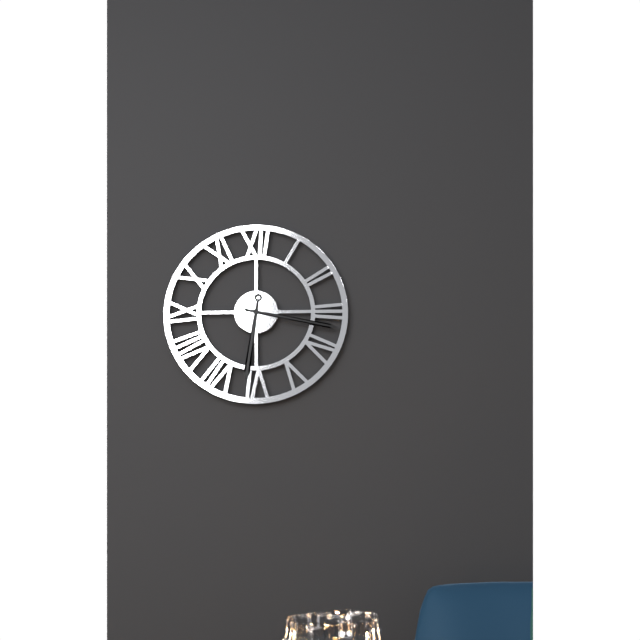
6:17
